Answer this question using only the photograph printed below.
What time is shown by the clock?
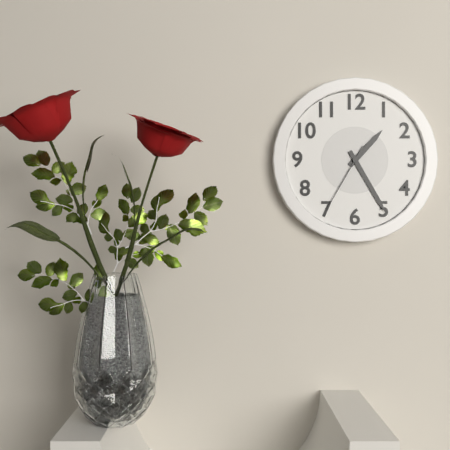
1:25:35
